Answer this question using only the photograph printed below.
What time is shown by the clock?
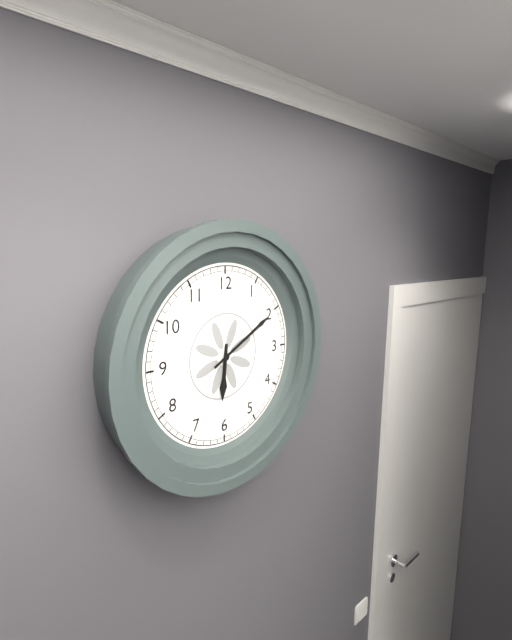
6:10
